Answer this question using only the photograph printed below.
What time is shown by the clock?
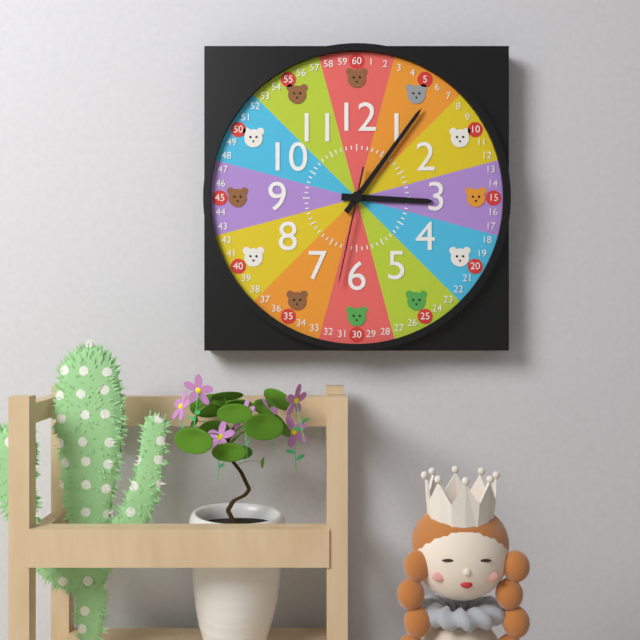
3:06:32
